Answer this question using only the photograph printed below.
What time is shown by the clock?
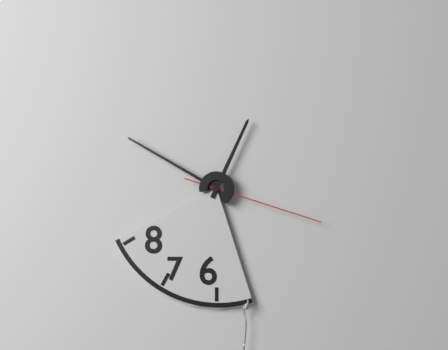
12:50:18
